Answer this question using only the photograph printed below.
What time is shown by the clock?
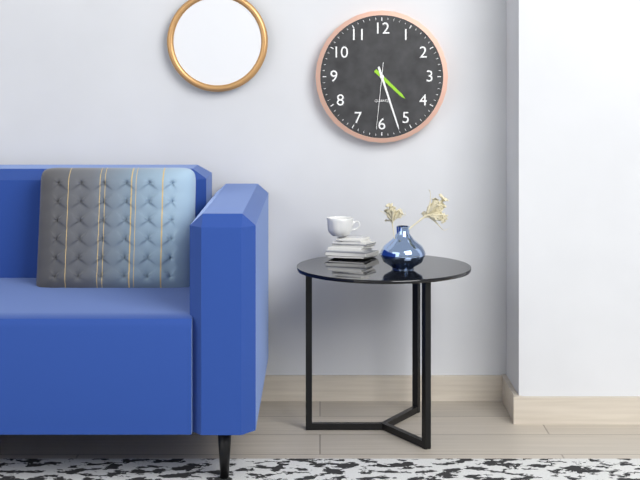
4:27:31
